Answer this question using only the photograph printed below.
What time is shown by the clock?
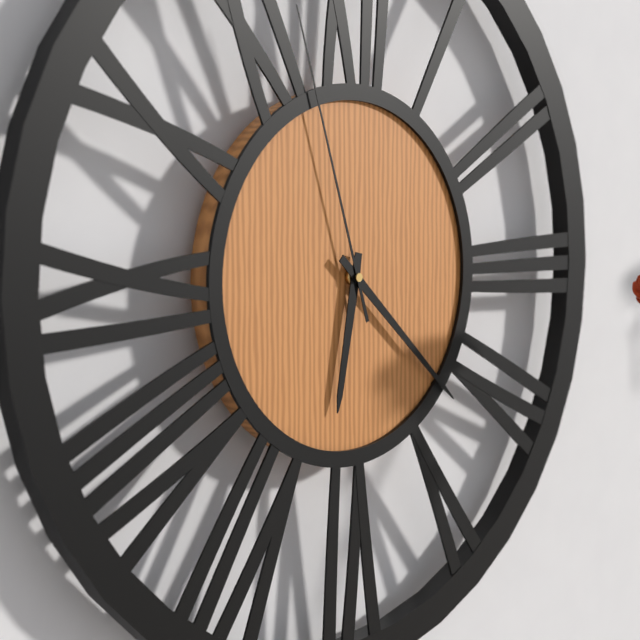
6:22:57
